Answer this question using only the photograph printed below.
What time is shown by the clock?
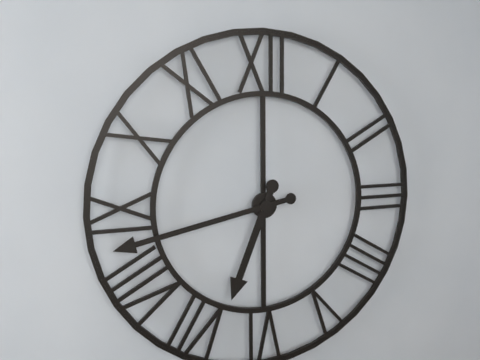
6:43
